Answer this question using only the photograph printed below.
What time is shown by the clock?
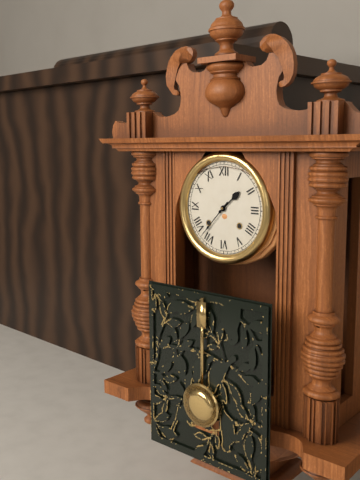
1:37
